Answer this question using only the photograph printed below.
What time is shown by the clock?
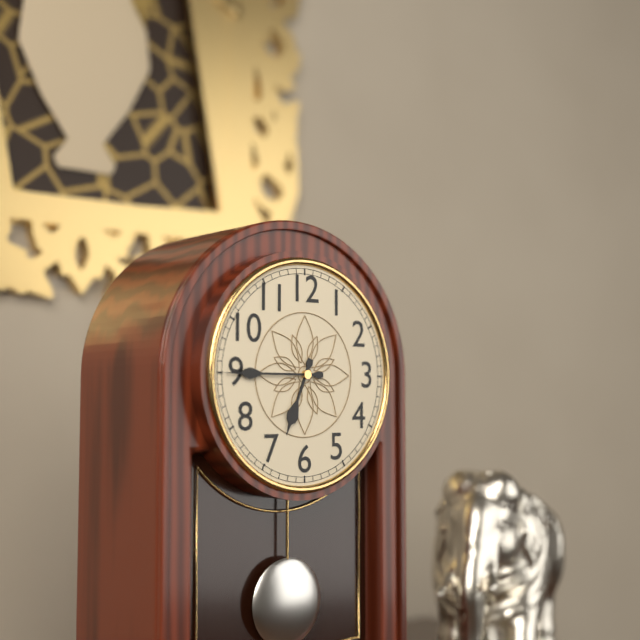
6:45
